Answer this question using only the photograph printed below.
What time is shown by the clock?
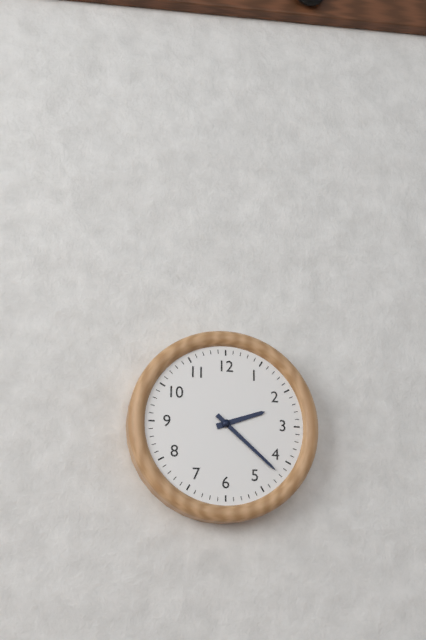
2:22
